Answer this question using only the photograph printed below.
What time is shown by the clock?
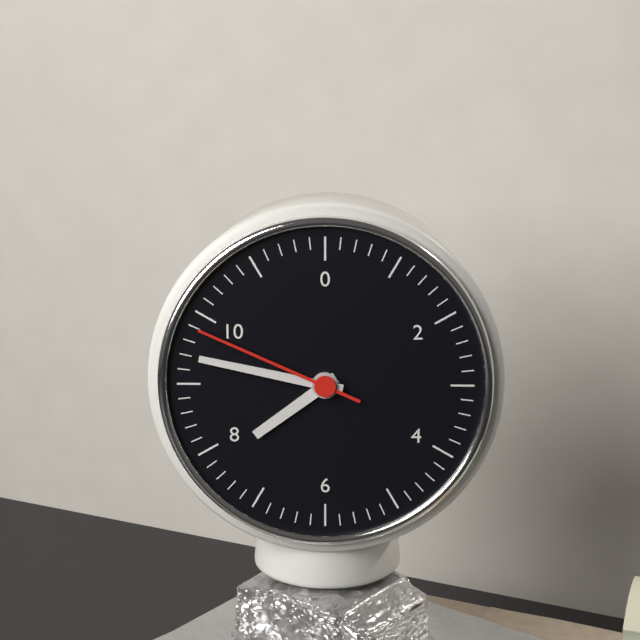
7:47:49
